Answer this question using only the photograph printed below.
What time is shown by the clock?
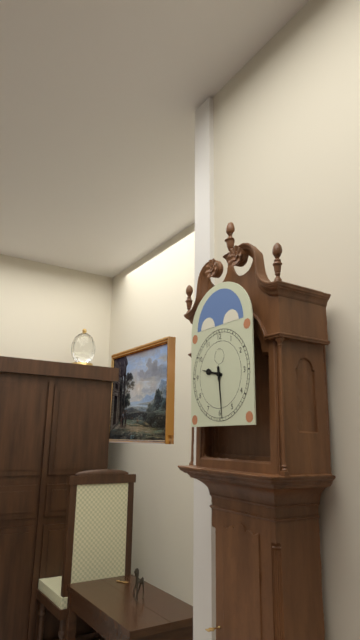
9:29
